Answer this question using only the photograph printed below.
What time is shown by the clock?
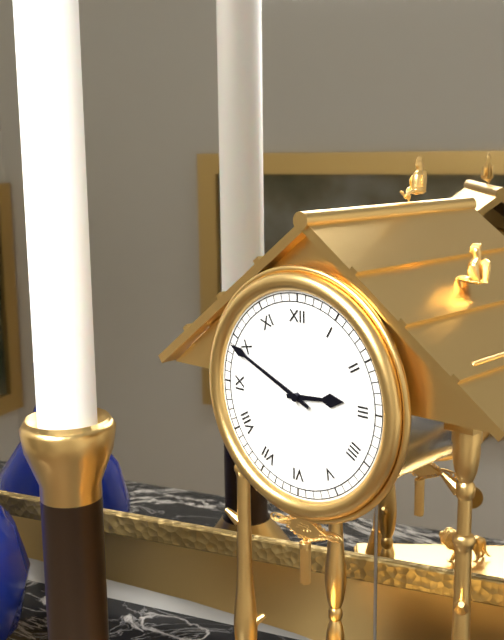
2:49
